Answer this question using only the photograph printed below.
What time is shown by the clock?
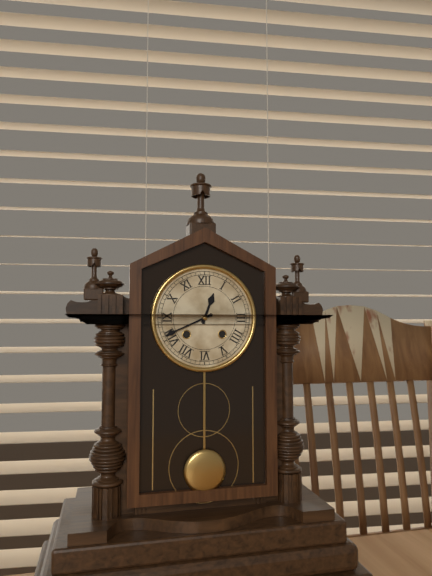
12:41
